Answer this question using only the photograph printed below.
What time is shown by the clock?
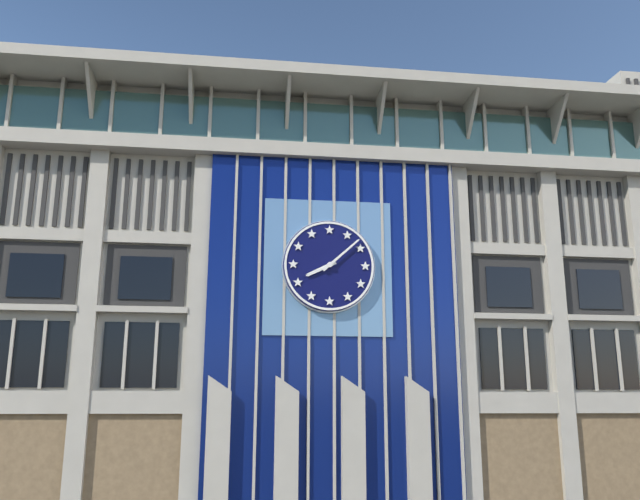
8:08
